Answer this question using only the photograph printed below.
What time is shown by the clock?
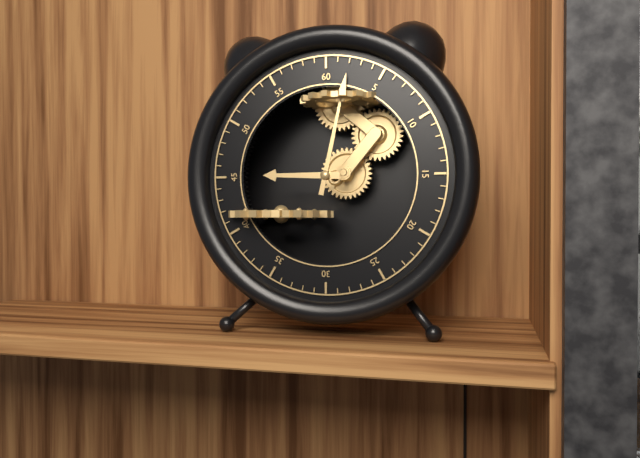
9:02
